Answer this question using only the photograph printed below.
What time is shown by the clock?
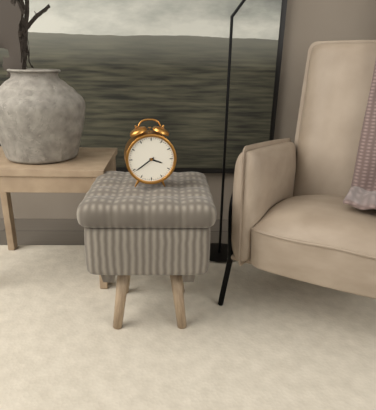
3:39
